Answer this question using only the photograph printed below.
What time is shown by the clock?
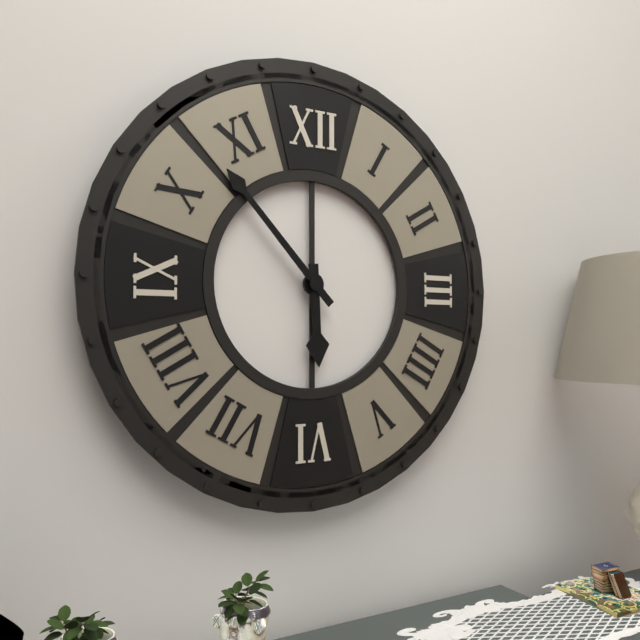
5:53
